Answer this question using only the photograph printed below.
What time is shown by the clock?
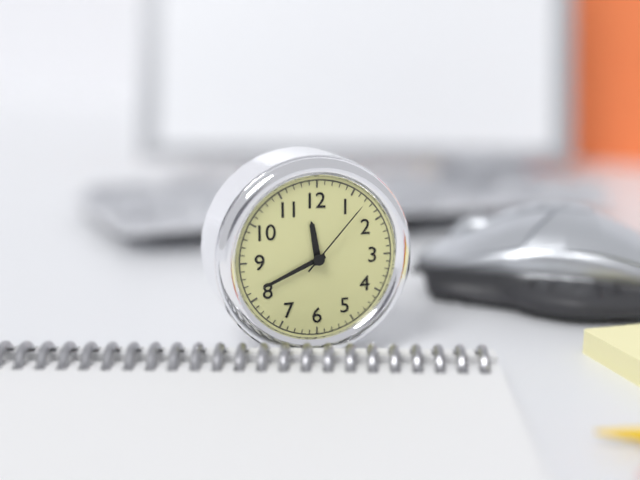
11:41:07
